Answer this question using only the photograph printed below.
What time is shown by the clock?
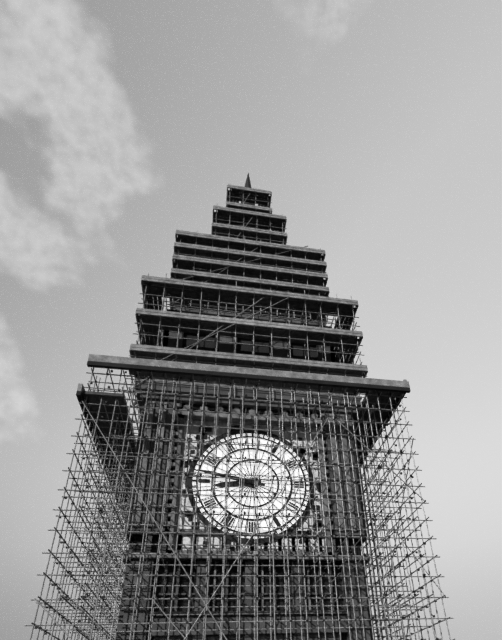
8:47
